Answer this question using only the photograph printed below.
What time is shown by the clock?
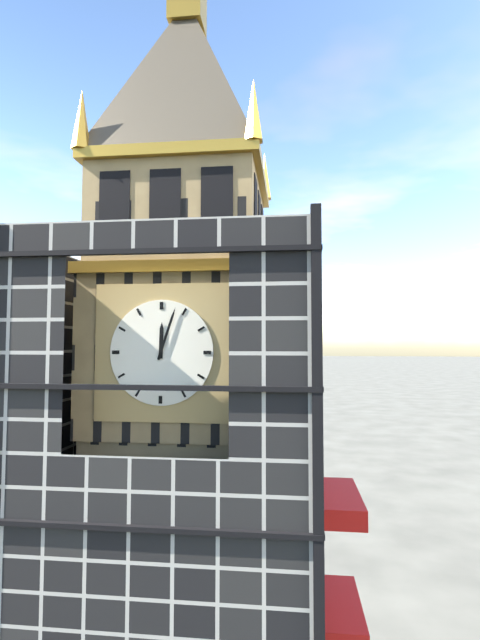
12:03
